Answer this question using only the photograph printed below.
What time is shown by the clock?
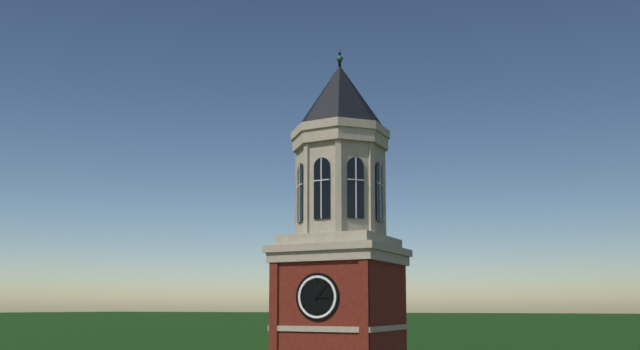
3:07
